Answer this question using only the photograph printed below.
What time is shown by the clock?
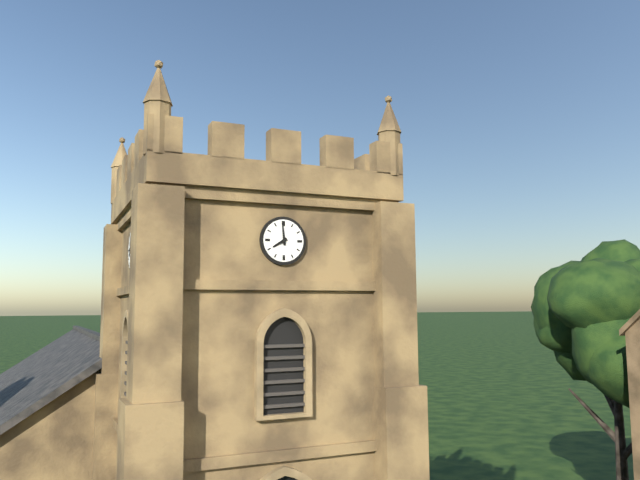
7:59
